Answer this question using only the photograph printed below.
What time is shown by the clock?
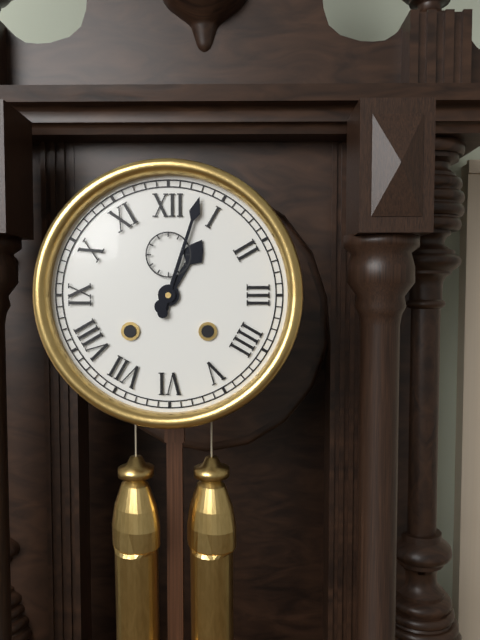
1:03
